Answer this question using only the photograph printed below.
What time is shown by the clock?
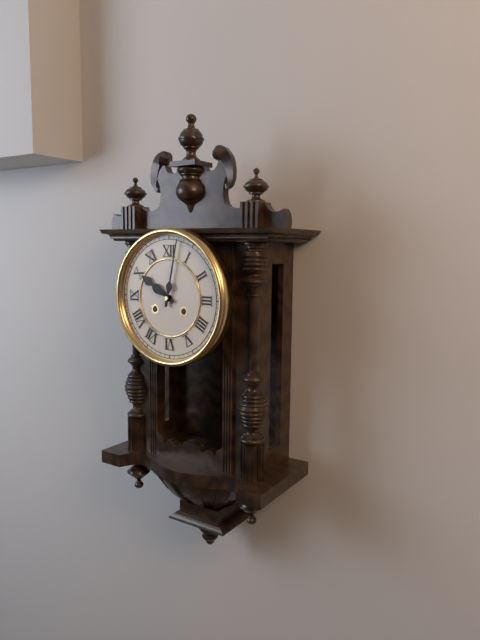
10:02
